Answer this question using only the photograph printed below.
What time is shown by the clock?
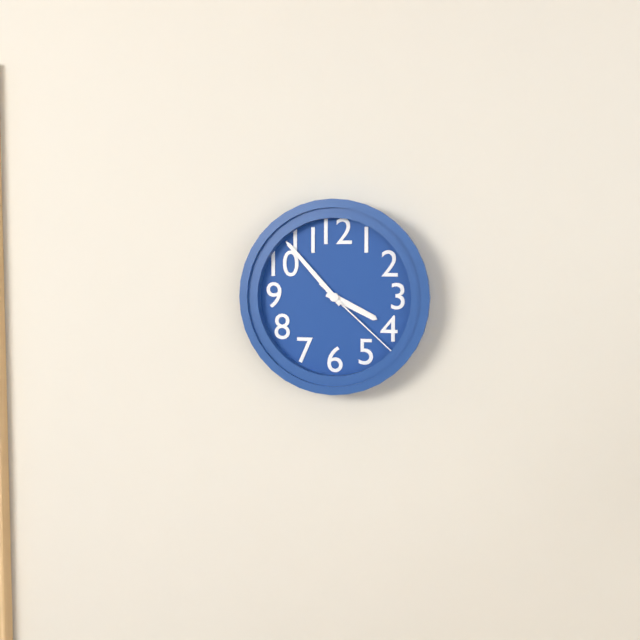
3:53:22
